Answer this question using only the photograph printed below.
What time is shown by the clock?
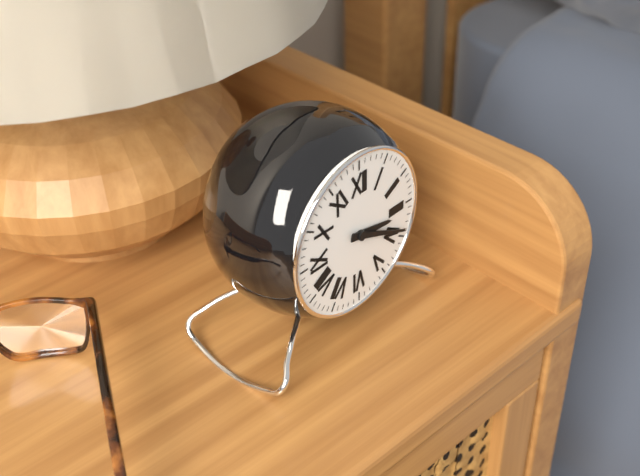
3:19
